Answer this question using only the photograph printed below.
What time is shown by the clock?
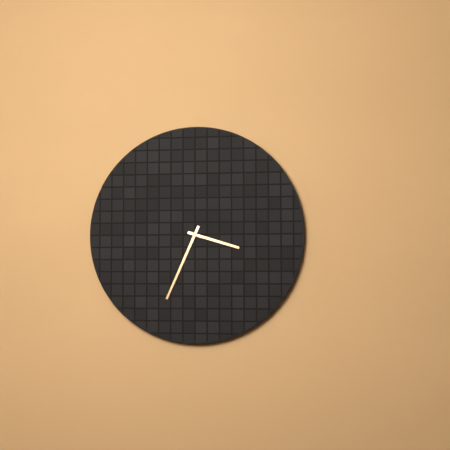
3:34
